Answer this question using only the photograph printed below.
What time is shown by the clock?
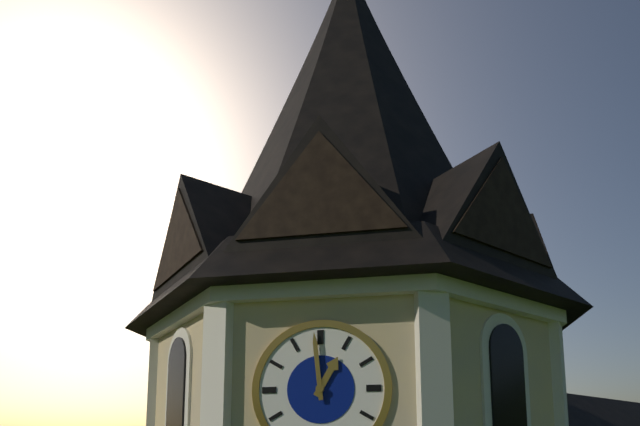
12:59
